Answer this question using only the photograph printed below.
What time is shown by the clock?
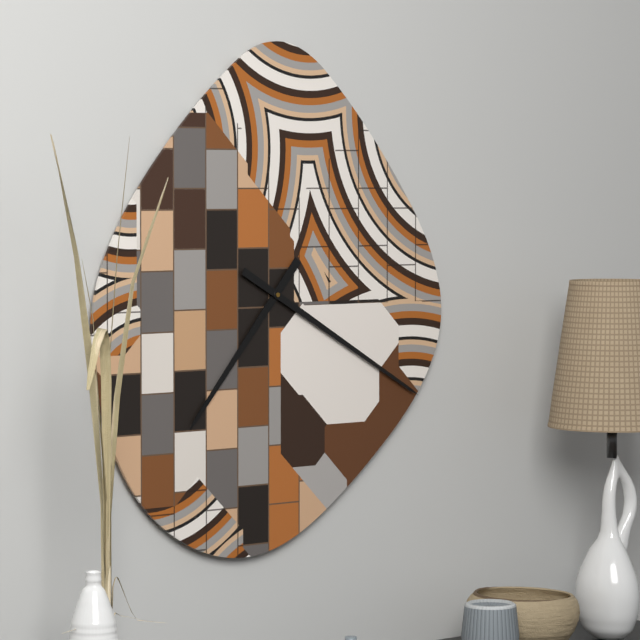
7:20
